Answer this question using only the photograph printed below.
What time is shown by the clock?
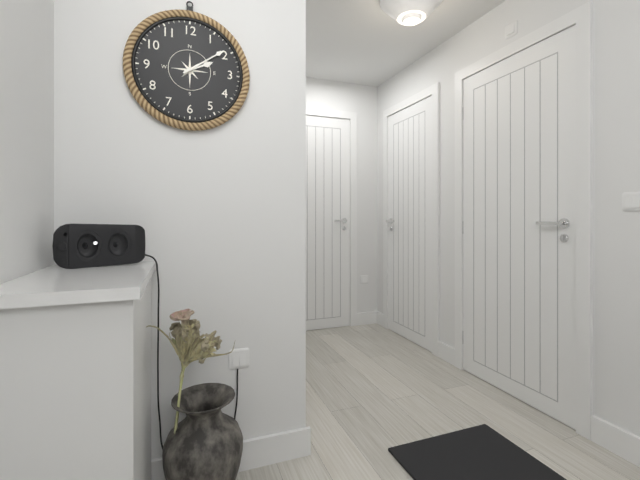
2:09
